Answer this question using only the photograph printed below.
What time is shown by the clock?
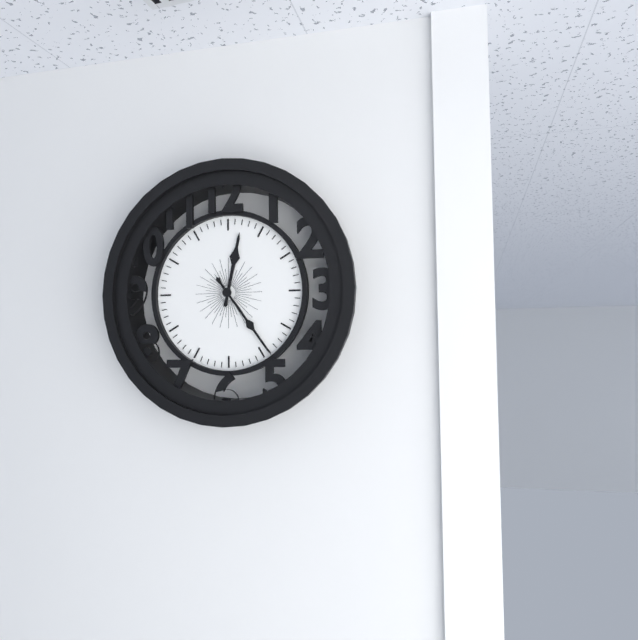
12:24
